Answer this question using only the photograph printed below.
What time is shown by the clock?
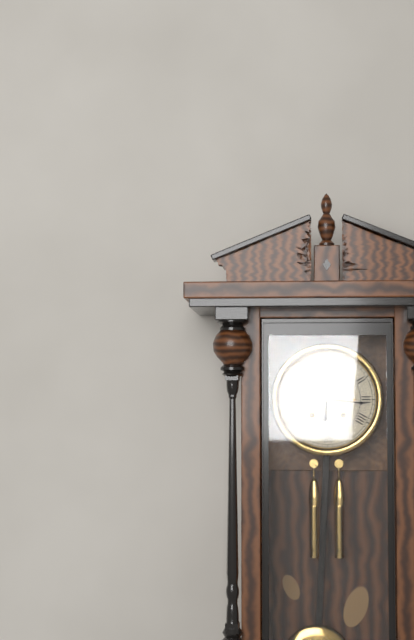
6:16
